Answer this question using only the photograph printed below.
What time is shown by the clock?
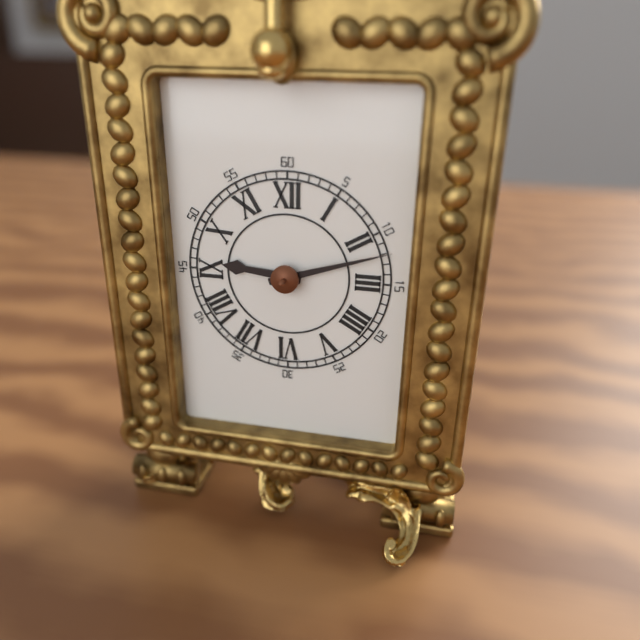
9:12
